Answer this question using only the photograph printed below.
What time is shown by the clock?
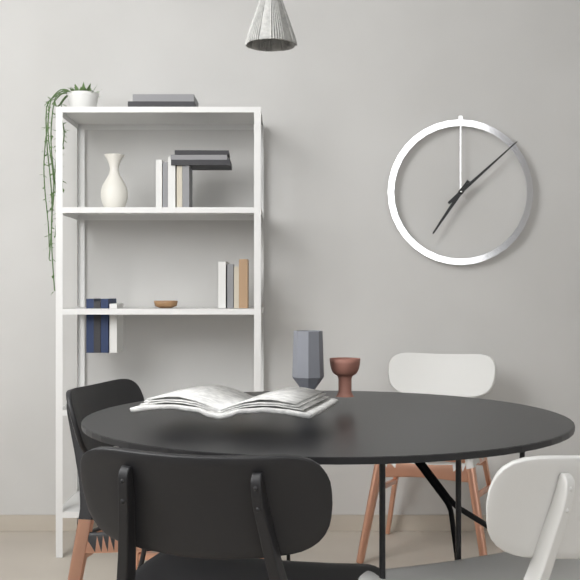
7:08
